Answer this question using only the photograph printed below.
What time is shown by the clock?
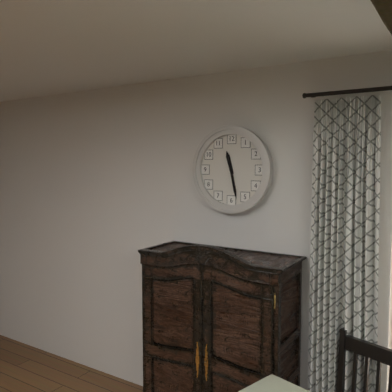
11:28
